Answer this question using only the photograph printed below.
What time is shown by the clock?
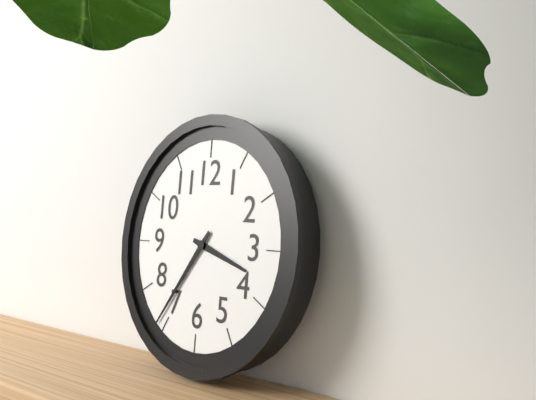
3:36
